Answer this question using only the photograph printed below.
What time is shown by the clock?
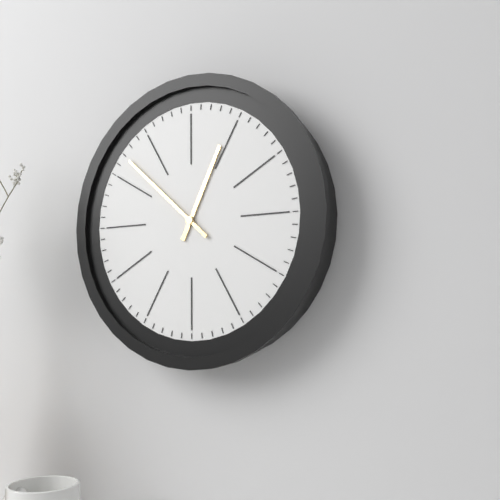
12:52
